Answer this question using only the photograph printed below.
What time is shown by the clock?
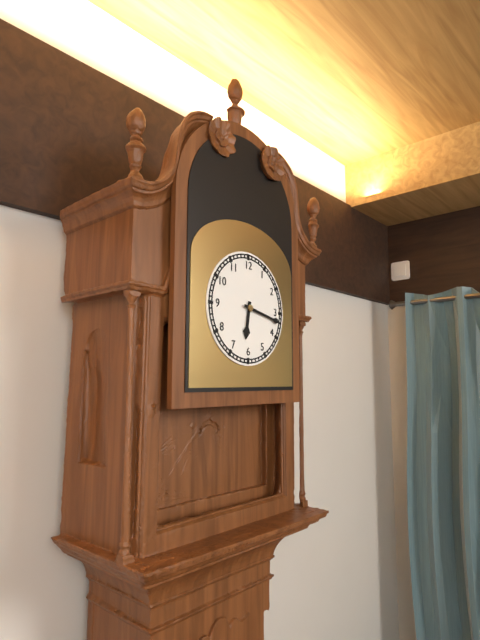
6:17
